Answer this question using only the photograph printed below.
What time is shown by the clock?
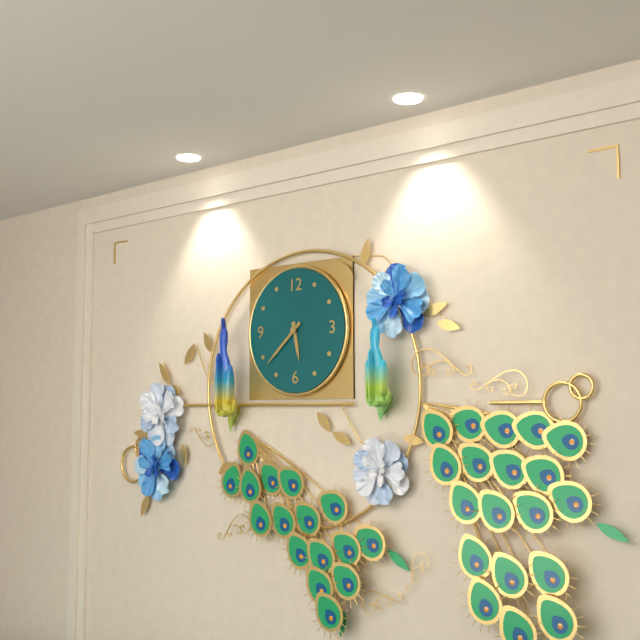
5:38
